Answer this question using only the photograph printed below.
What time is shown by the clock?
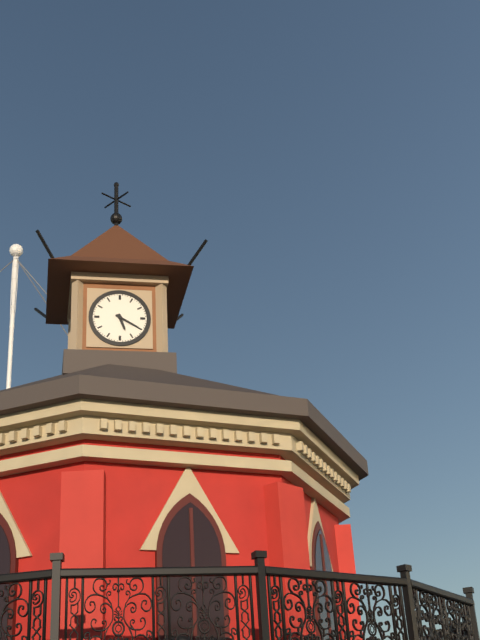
5:20
